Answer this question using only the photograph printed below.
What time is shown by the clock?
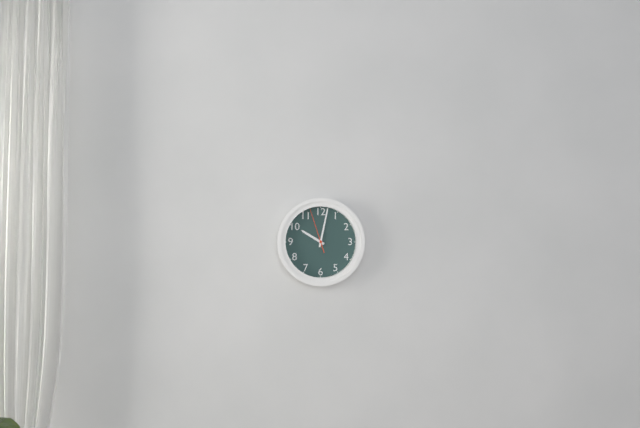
10:02
